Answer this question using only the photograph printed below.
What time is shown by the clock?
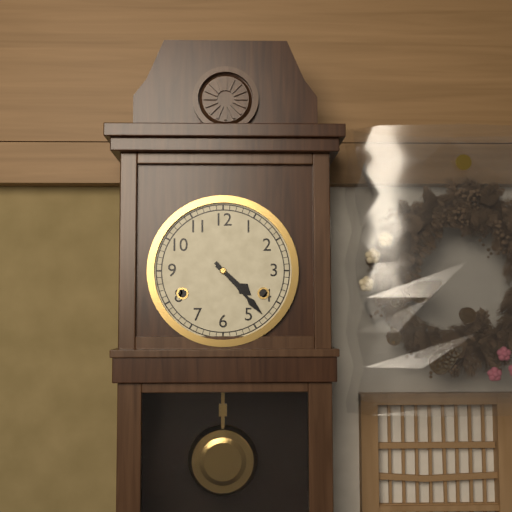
4:23
